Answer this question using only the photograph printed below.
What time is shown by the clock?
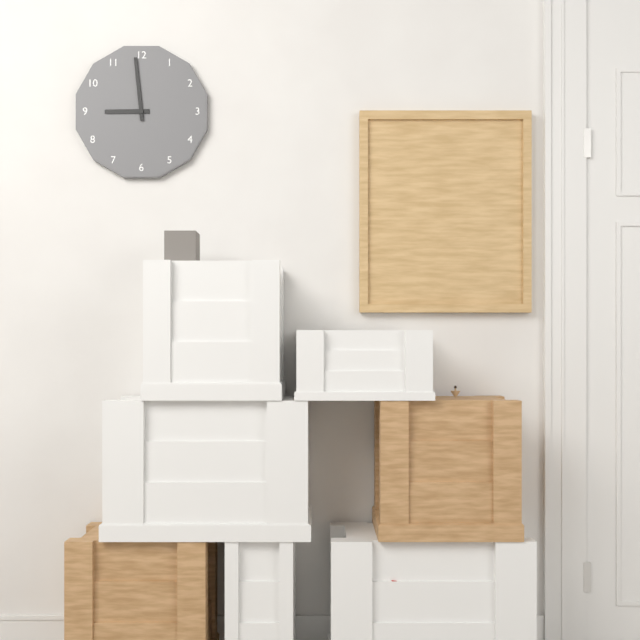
8:59
